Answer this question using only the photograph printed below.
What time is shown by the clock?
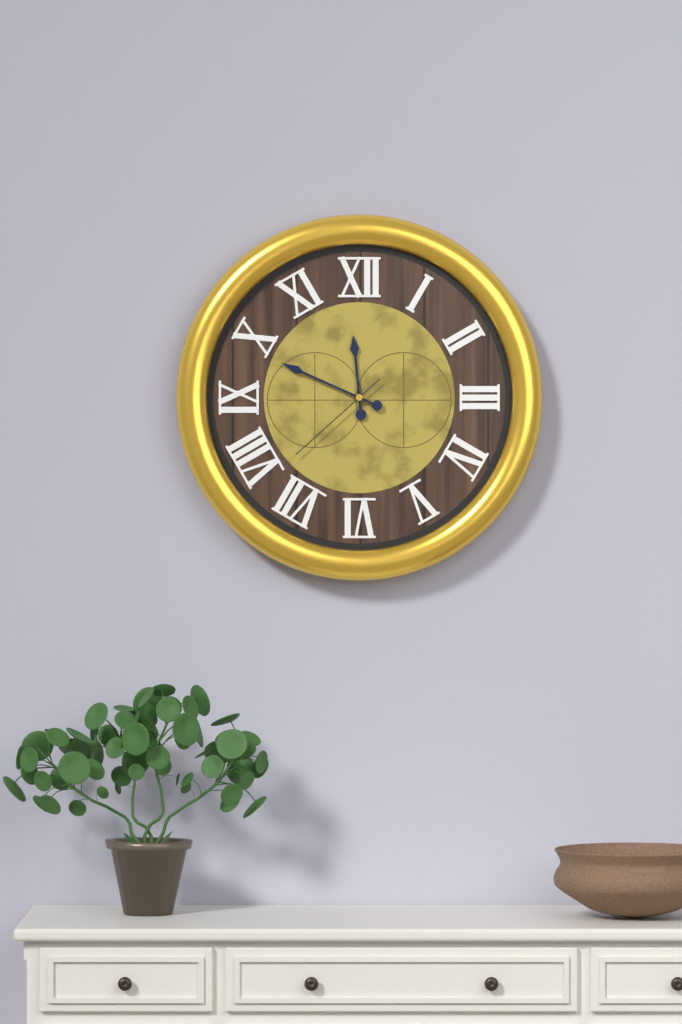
11:49:38
